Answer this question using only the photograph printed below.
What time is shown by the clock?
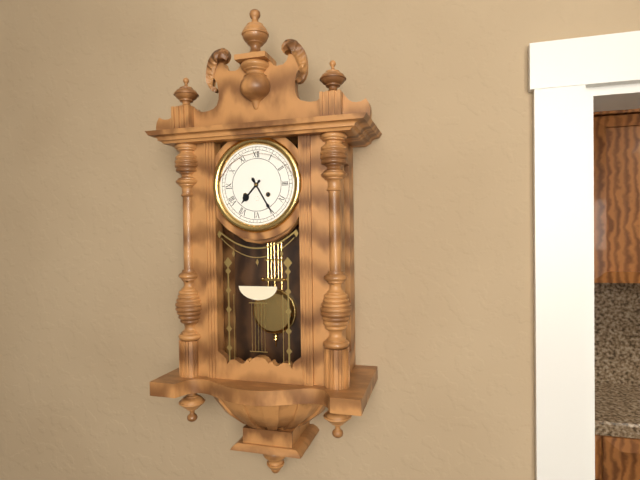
7:25
